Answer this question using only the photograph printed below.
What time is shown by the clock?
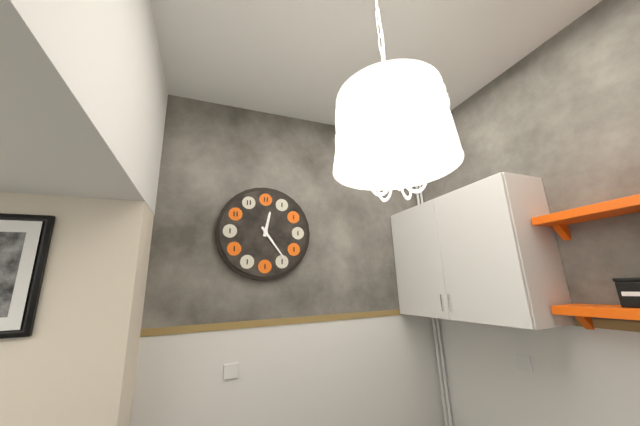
12:24
